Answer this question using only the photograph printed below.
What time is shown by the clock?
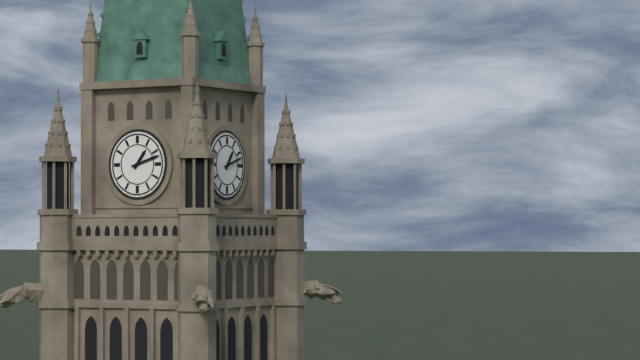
1:12
